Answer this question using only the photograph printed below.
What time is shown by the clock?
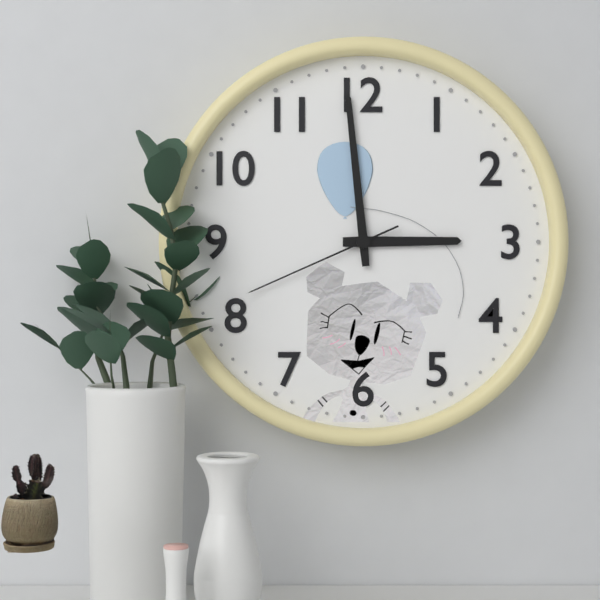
2:59:41
